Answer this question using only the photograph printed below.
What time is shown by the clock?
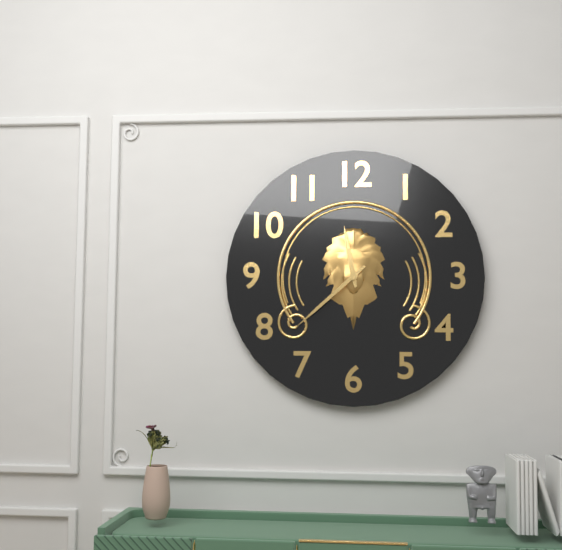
11:38
